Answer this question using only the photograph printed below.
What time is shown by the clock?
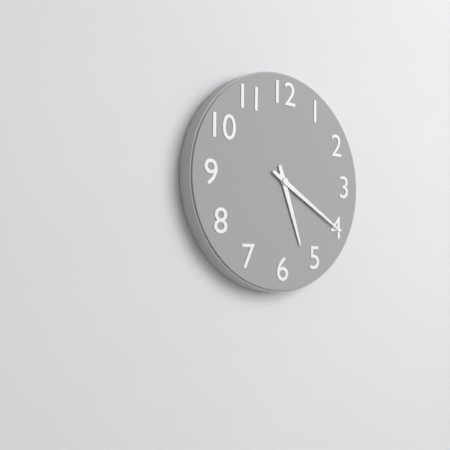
5:20
